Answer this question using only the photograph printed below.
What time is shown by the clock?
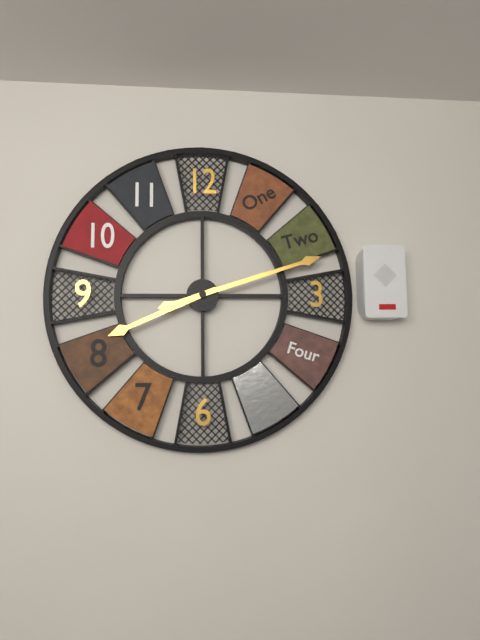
8:12
